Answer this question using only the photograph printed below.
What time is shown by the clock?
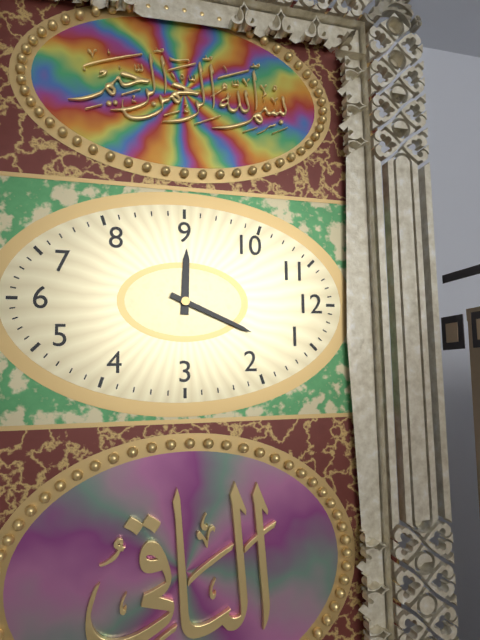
9:04
